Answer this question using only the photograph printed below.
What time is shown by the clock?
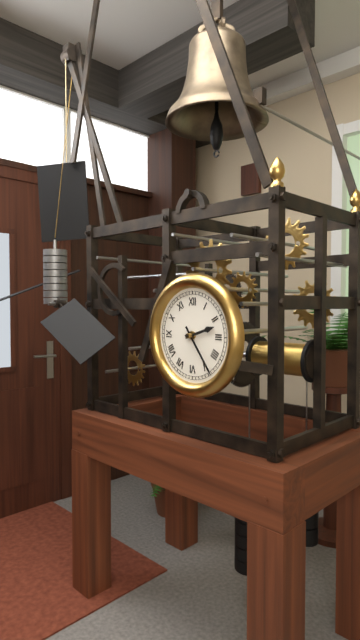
2:24
